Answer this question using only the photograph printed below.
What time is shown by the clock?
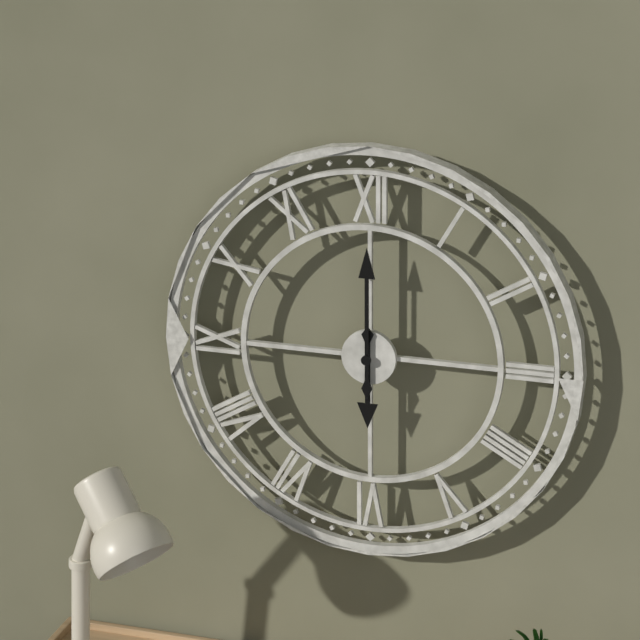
6:00
